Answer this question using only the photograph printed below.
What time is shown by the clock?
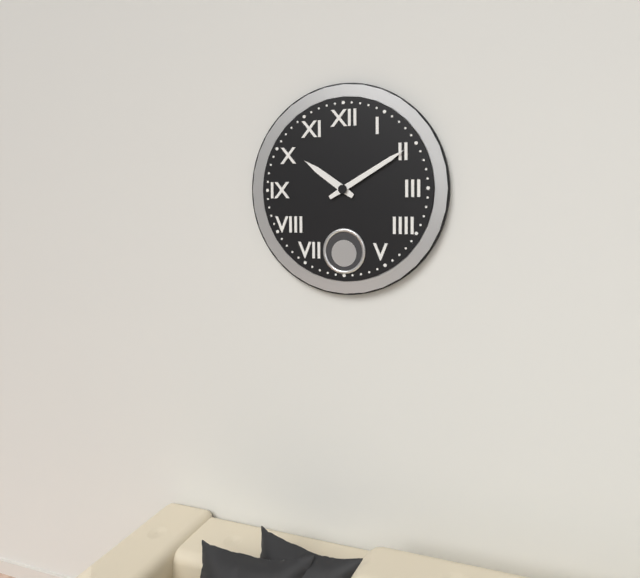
10:10
